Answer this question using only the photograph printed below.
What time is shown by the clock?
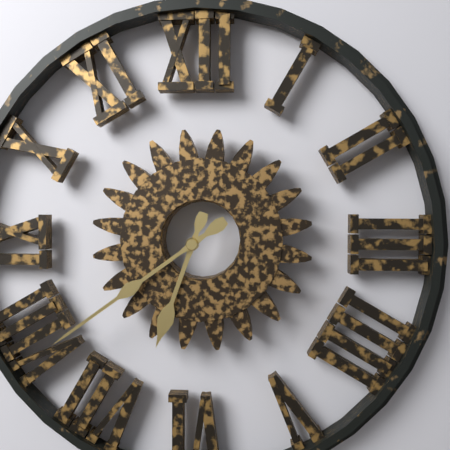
6:39
